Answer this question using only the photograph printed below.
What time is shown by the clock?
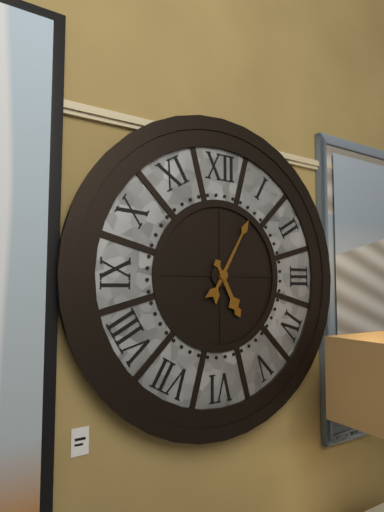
5:05
